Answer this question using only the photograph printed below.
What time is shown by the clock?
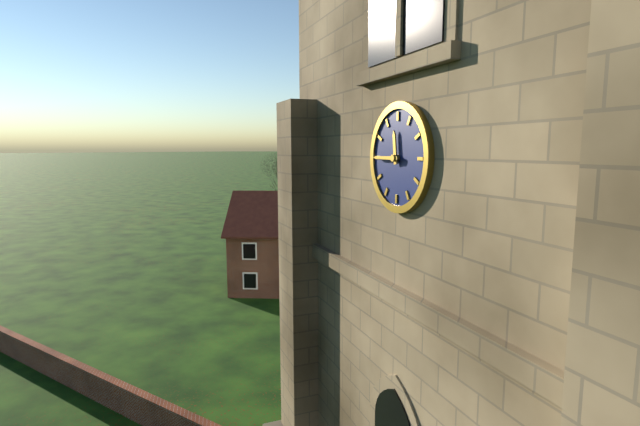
11:45
